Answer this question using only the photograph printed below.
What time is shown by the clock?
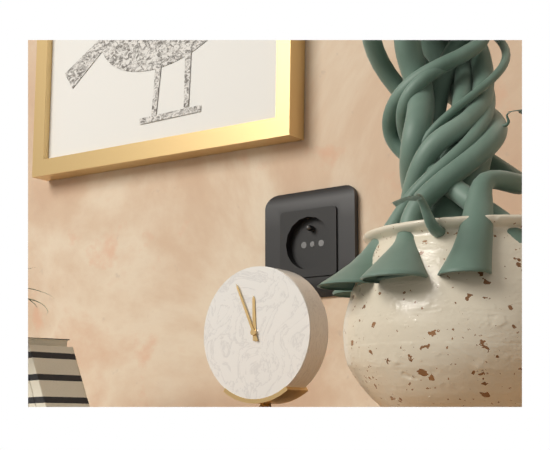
11:56
